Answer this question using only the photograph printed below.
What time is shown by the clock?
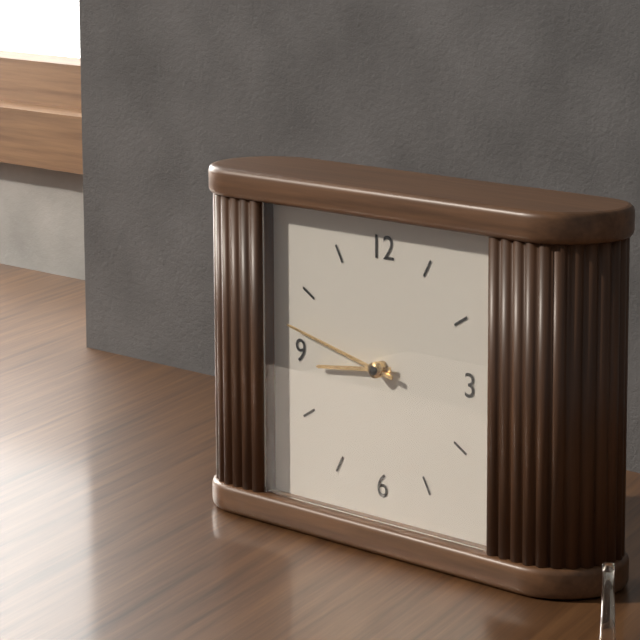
8:47
